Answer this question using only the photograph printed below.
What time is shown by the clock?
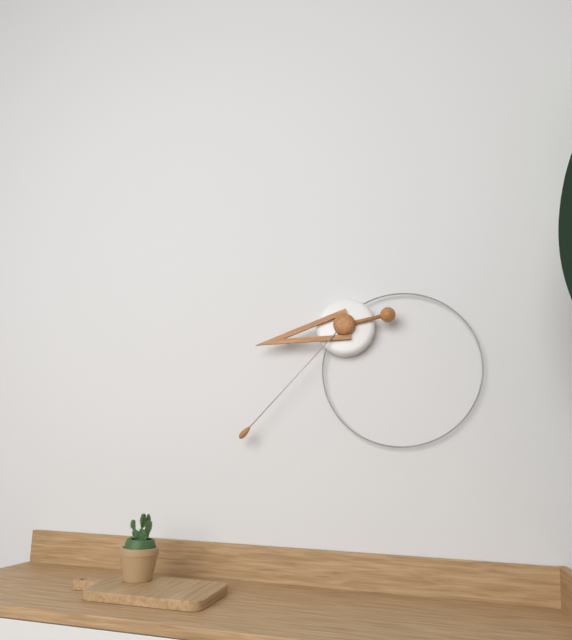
8:37
